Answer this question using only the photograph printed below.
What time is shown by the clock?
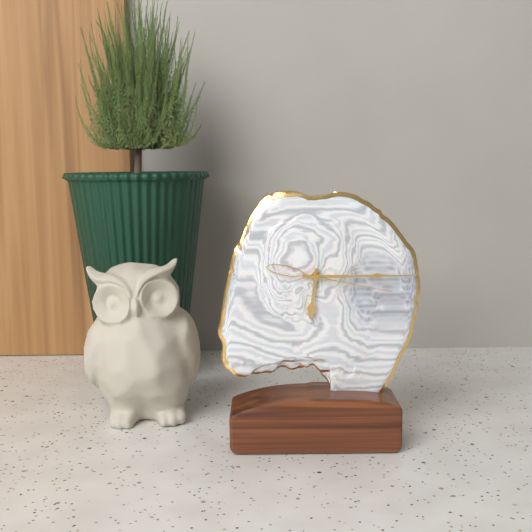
6:15:17
